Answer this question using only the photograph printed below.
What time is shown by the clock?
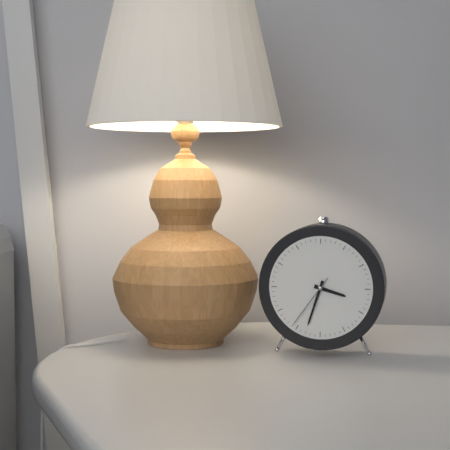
3:33:36
